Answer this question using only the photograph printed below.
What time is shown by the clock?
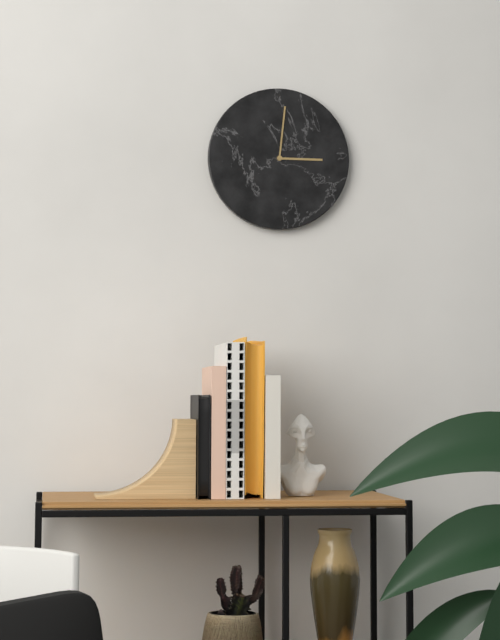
3:01
